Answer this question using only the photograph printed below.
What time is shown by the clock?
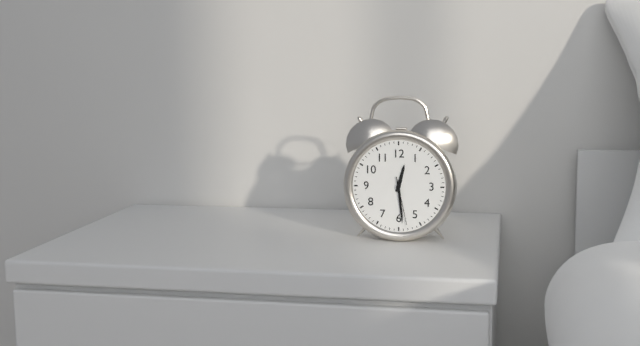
12:29
